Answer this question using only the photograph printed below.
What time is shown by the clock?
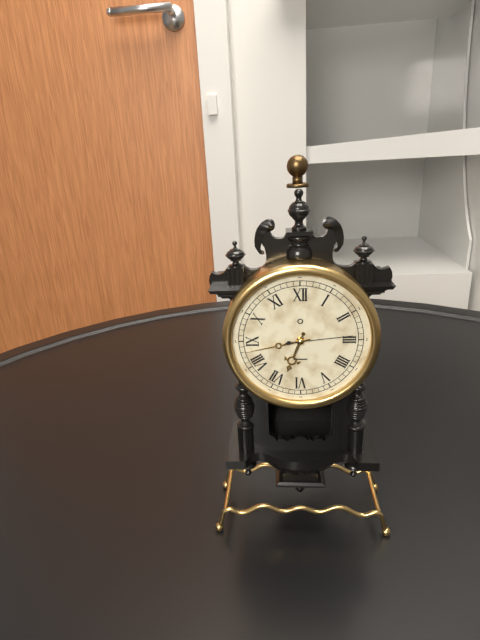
6:43:14
